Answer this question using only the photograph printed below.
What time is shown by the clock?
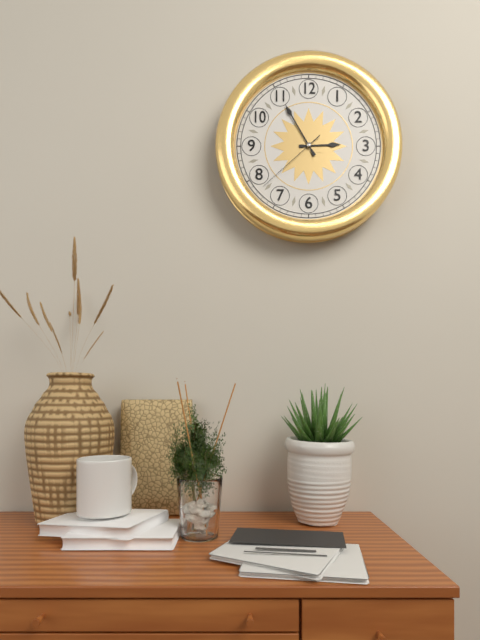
2:55:38
